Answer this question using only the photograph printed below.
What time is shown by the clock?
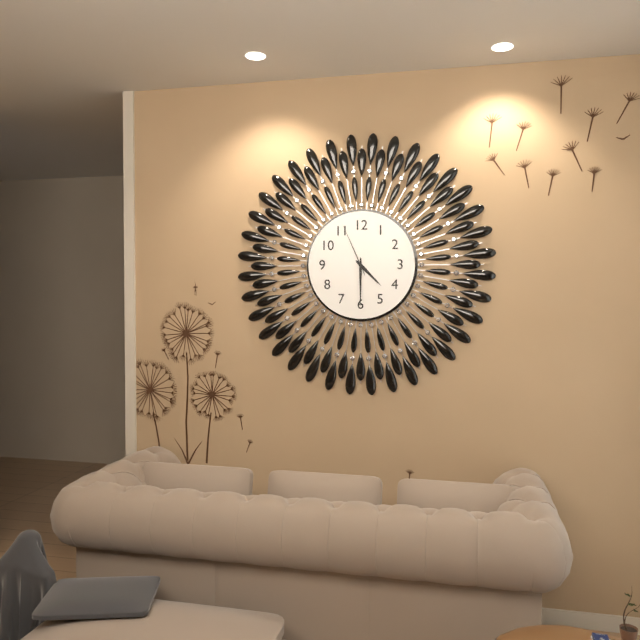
4:30:56
